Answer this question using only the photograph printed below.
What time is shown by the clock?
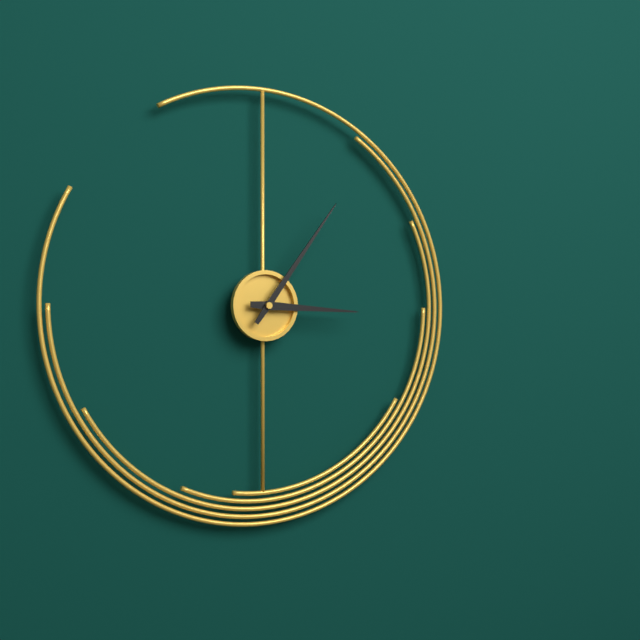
3:06
